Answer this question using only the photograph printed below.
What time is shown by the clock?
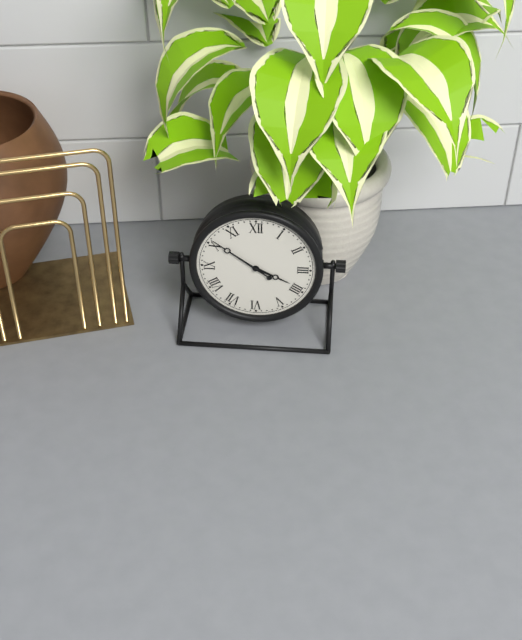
3:51
